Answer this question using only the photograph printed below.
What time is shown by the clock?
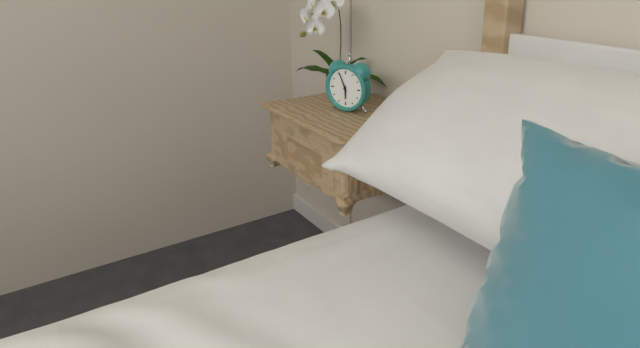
5:56
